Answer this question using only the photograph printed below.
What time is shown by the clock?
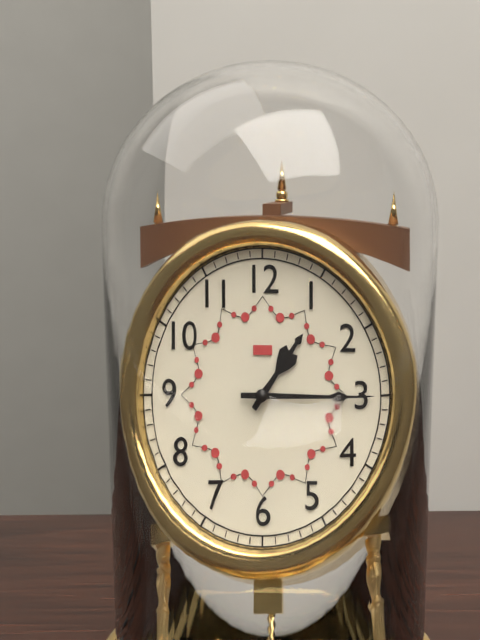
1:15
